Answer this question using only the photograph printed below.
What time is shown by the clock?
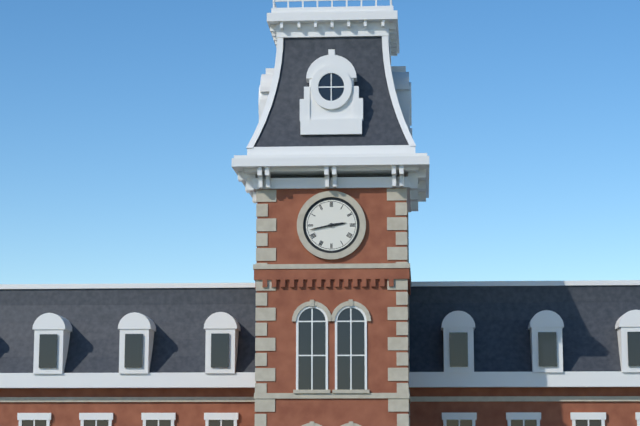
2:43
